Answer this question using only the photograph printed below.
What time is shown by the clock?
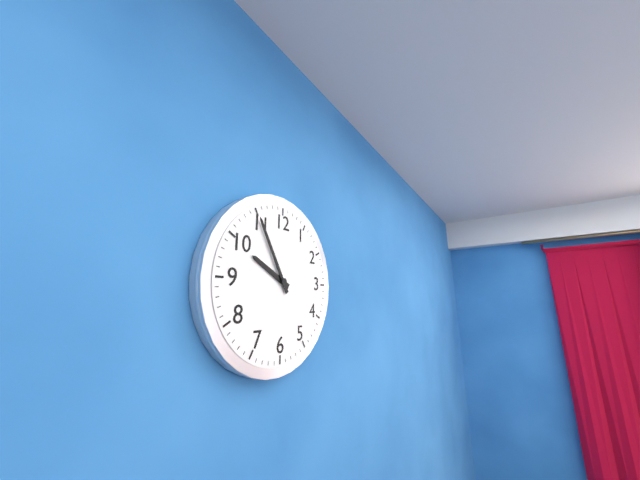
9:55
